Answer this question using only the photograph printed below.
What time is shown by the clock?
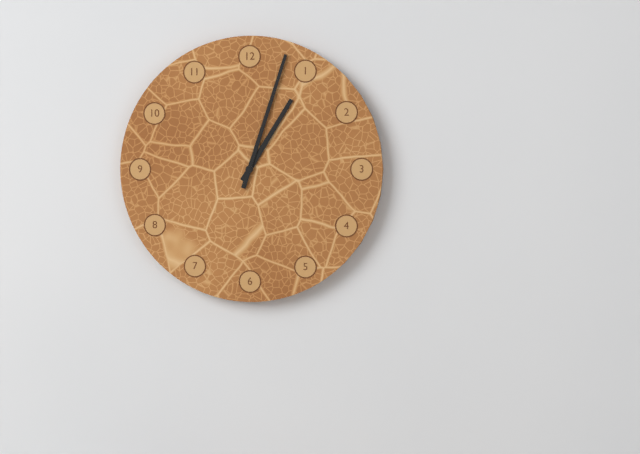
1:03
